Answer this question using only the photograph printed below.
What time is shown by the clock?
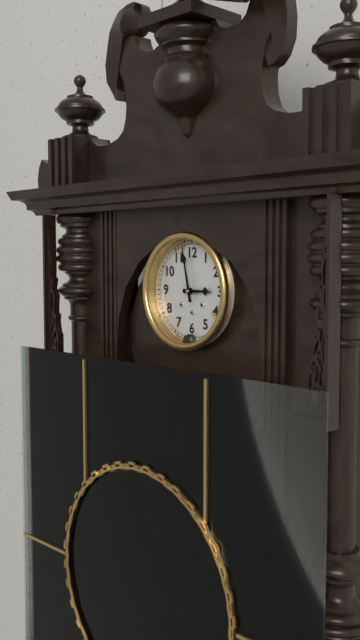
2:58
